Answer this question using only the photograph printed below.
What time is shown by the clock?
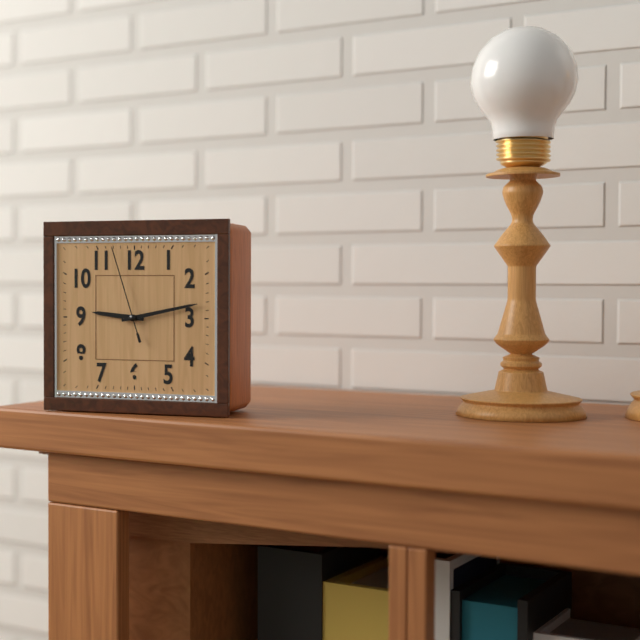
9:13:57
